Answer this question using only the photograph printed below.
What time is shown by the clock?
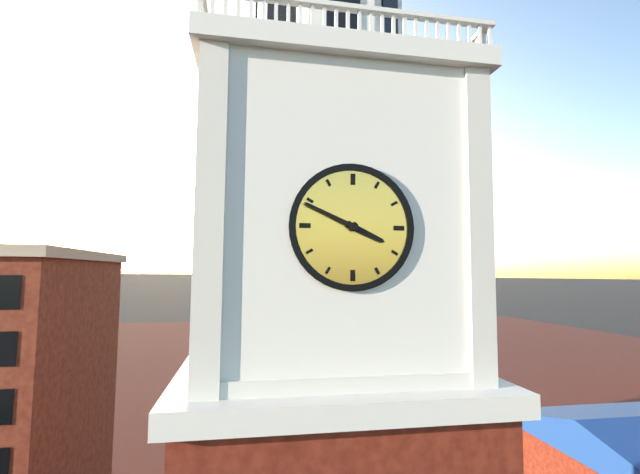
3:49
